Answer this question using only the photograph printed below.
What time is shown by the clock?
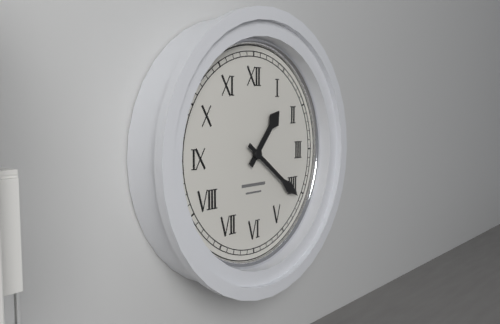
1:21
